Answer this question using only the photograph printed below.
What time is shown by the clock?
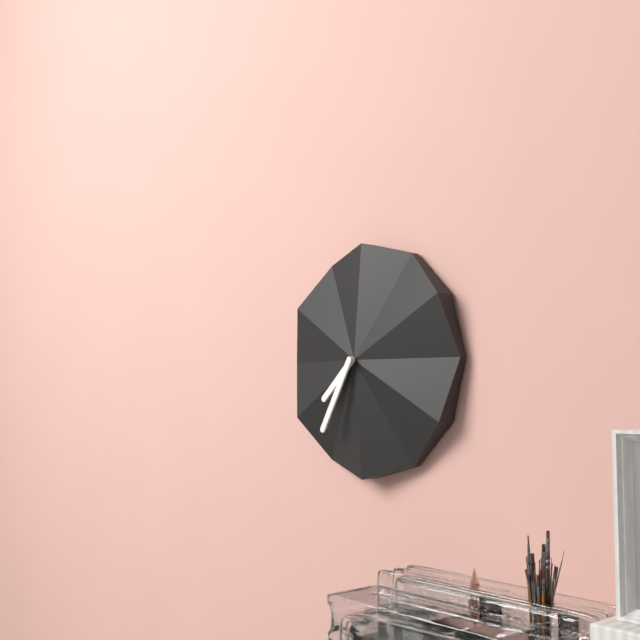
7:35
